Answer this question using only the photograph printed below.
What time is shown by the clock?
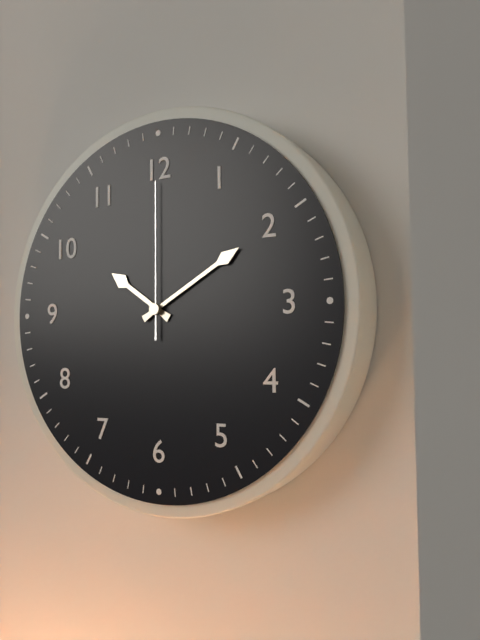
10:10:00
